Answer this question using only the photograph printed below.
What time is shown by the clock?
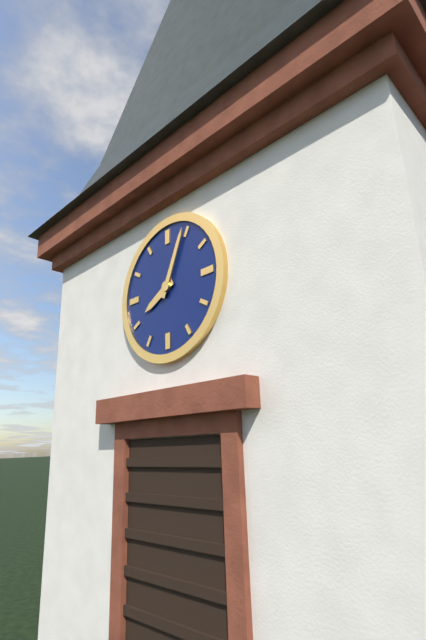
8:04
